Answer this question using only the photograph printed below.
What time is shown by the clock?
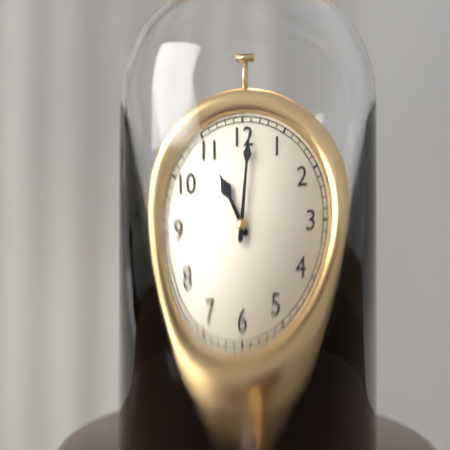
11:01
